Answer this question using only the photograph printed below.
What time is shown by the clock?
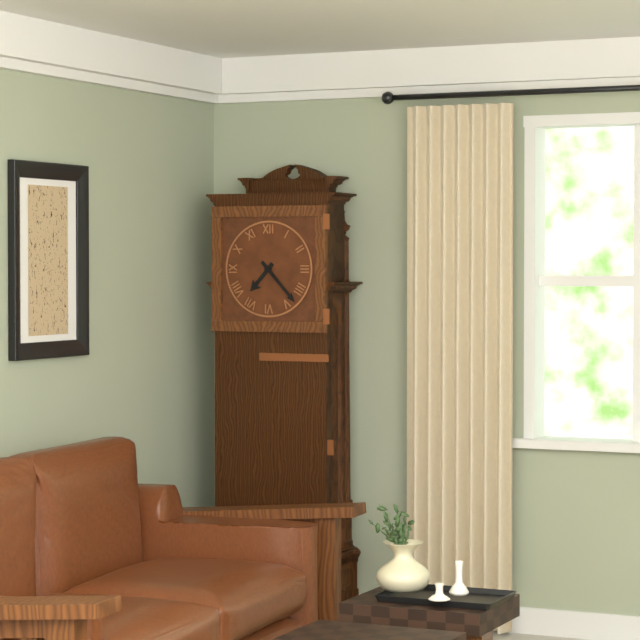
7:23
